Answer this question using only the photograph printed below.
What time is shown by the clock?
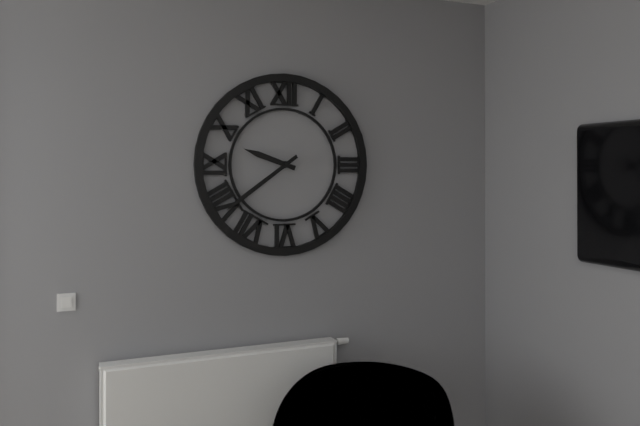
9:39
